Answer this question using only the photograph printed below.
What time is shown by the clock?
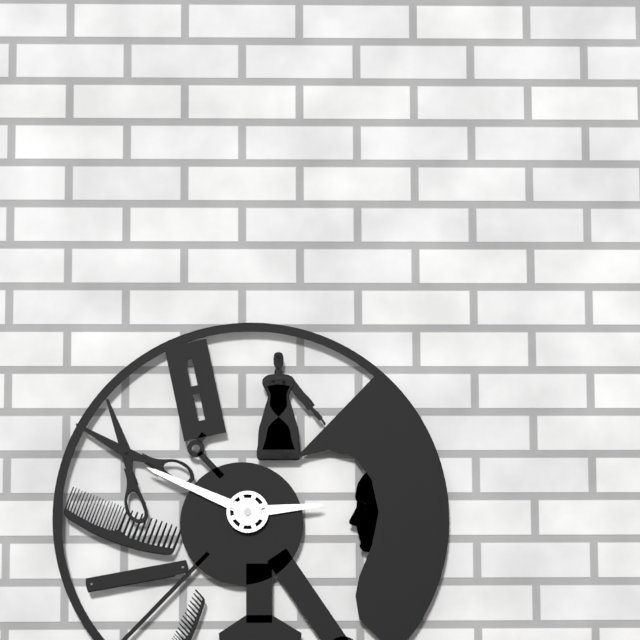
2:49
